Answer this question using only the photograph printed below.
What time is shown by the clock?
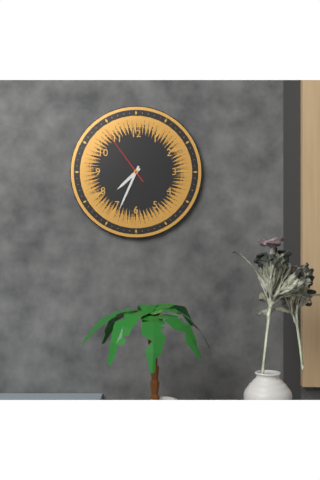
7:34:54
